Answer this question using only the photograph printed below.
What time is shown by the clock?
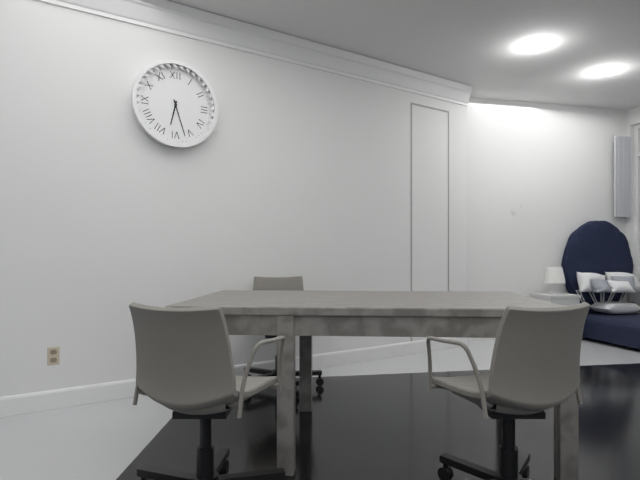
6:27
